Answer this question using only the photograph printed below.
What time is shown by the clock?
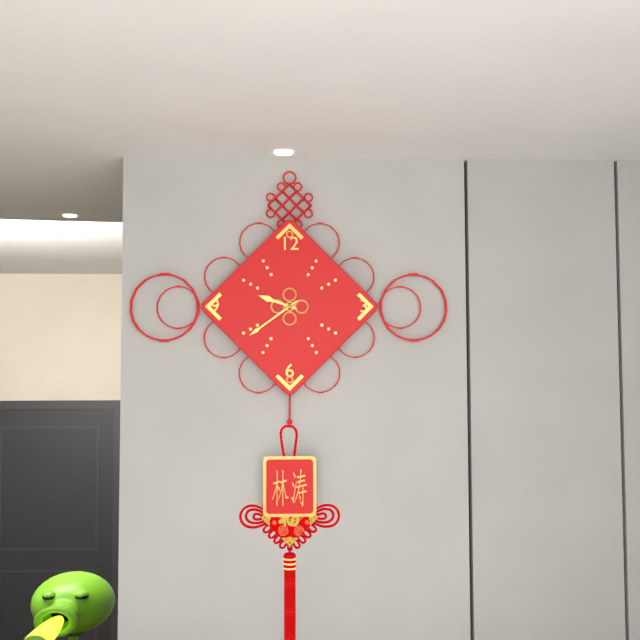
9:39
